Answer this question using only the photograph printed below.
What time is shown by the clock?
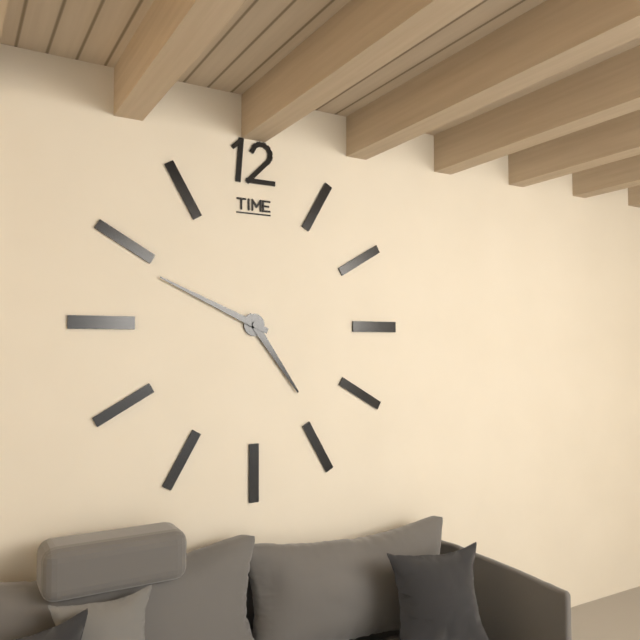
4:49
